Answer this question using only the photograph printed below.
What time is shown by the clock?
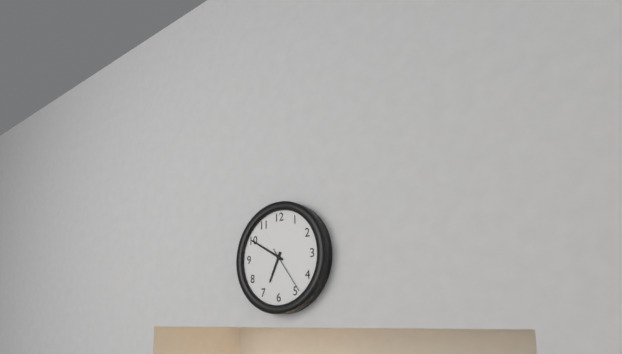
6:50:24
